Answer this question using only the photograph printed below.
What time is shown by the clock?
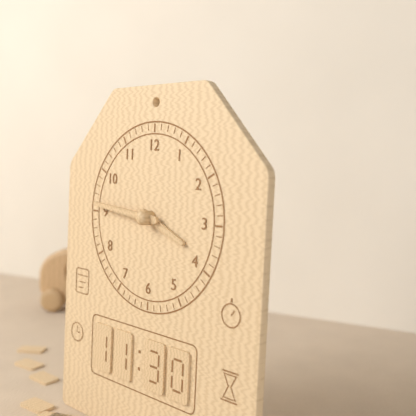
3:46
